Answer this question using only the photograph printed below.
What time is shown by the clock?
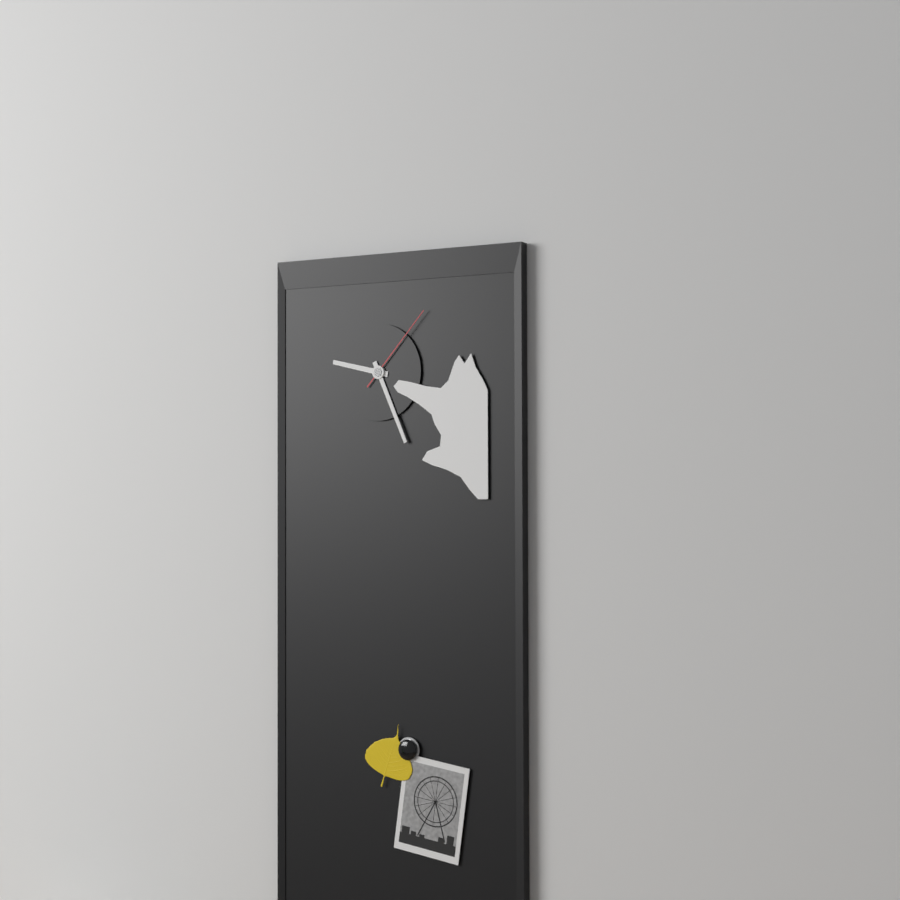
9:26:07
